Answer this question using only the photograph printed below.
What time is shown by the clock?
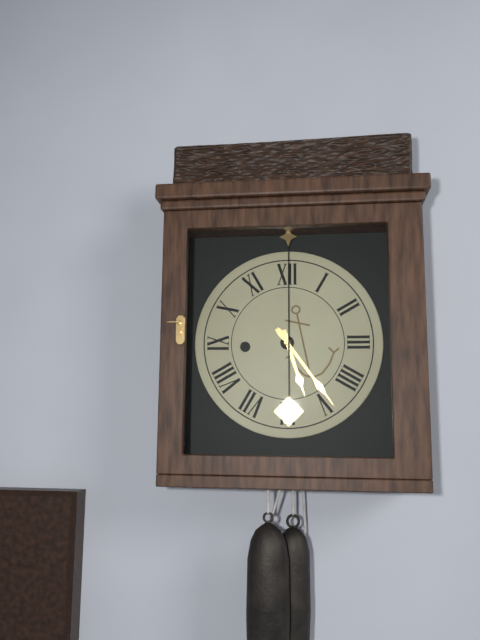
5:24
